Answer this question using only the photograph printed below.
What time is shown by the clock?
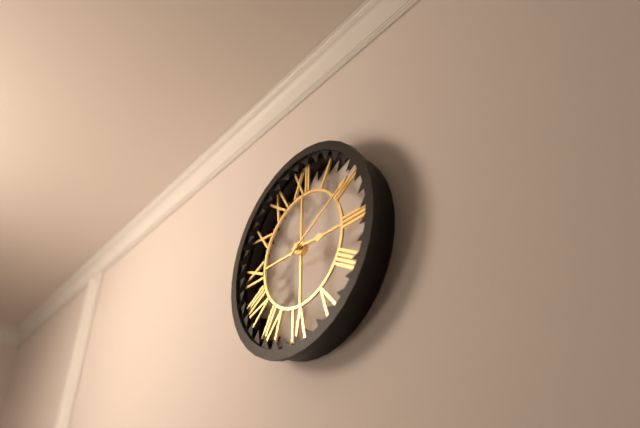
3:10
